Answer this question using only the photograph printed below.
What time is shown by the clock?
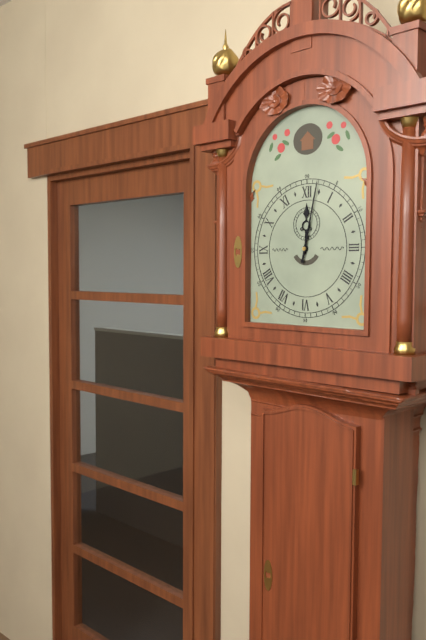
12:02
